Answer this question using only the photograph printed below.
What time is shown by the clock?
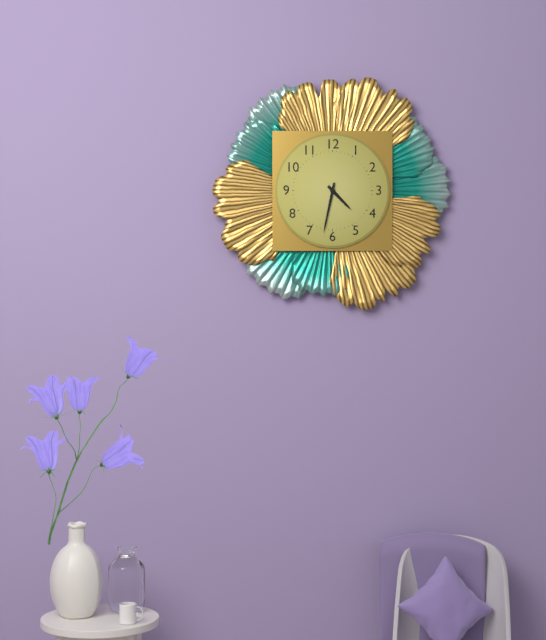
4:32
